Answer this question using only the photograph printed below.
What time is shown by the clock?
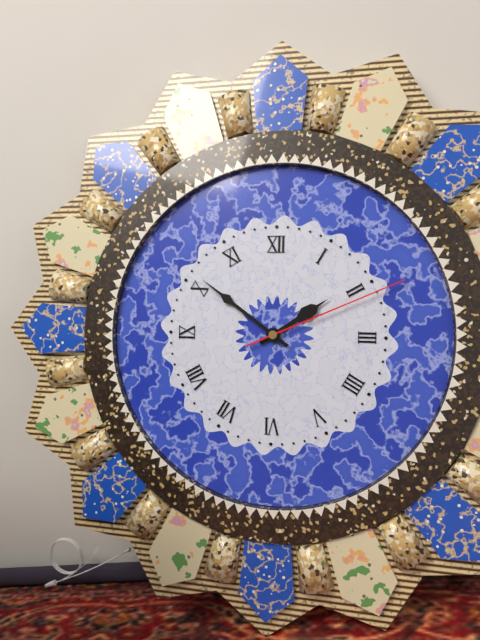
1:51:11
